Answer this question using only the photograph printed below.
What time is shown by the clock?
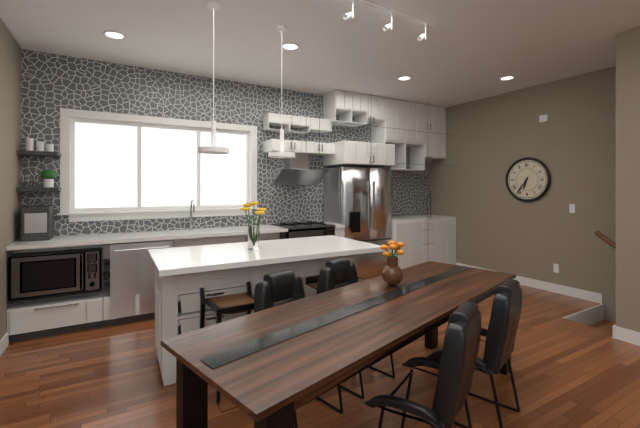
6:36
